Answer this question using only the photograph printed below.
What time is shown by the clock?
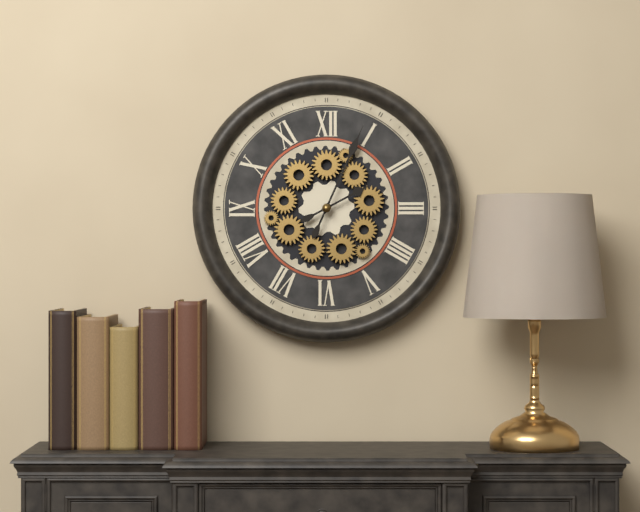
2:04
